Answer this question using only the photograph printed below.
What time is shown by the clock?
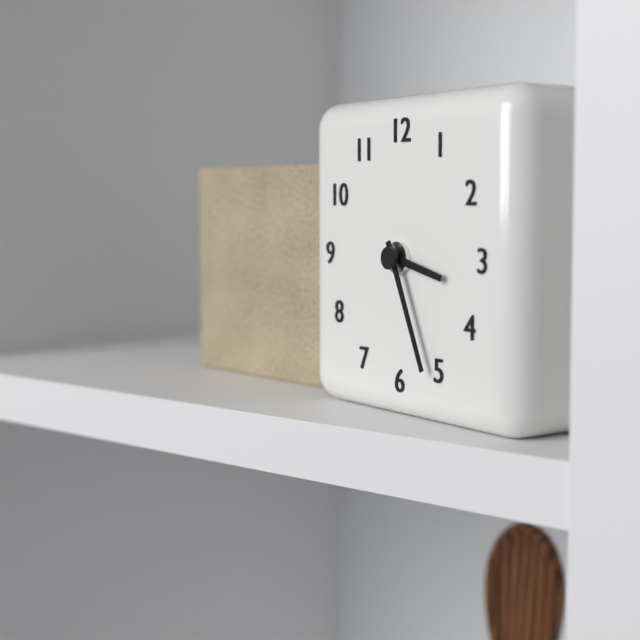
3:26
